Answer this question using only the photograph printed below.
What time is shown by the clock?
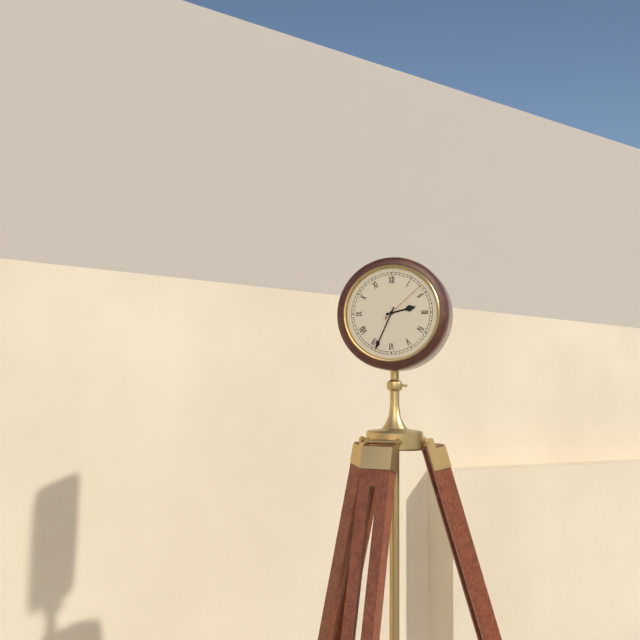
2:34:08
